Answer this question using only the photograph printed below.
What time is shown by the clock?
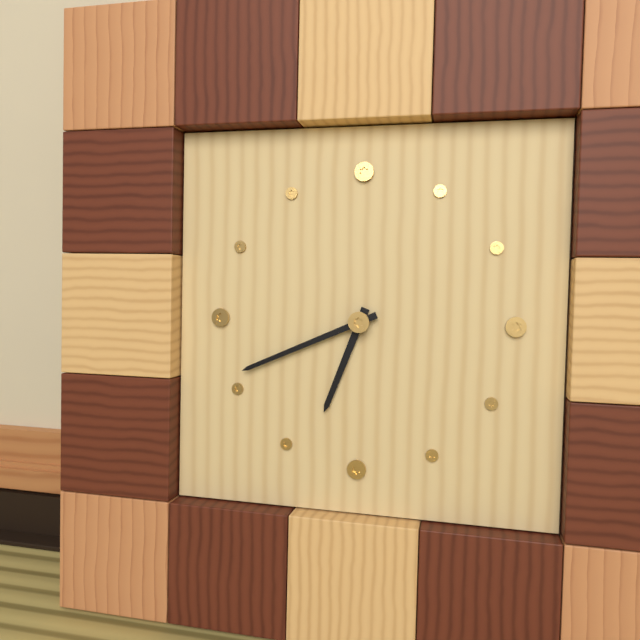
6:41
